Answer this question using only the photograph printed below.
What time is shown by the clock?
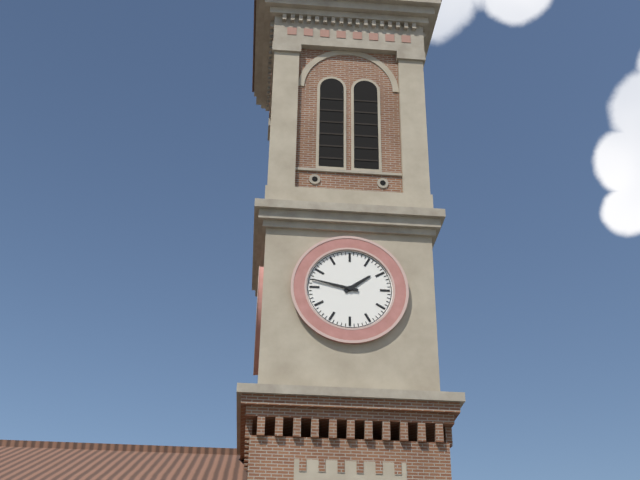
1:47
